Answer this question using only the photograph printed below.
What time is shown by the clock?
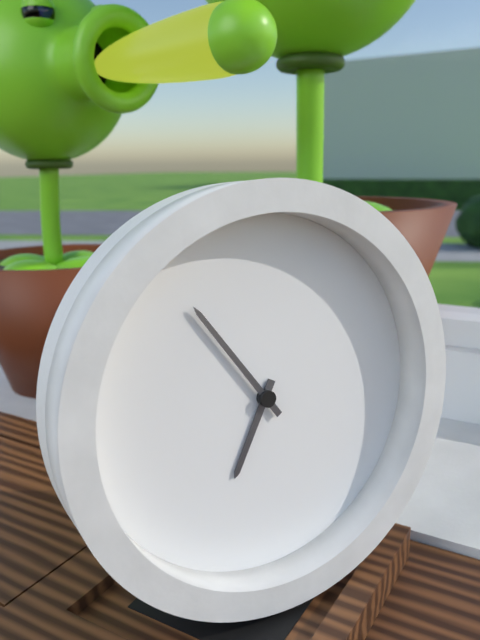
6:54
